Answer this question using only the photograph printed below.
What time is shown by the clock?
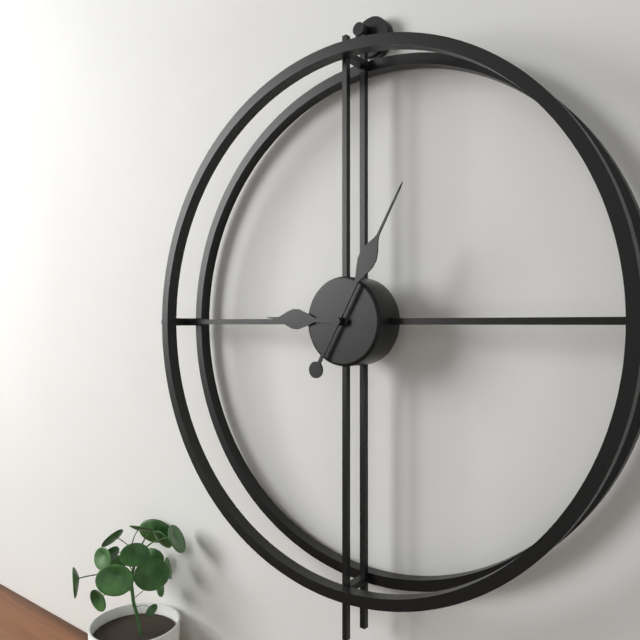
9:05
